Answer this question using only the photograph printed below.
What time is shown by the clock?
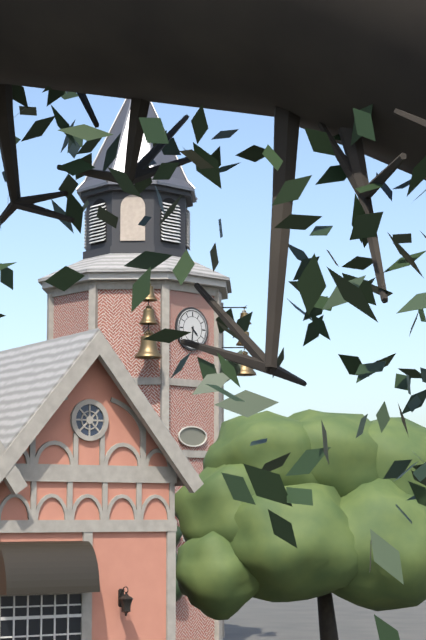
4:31
